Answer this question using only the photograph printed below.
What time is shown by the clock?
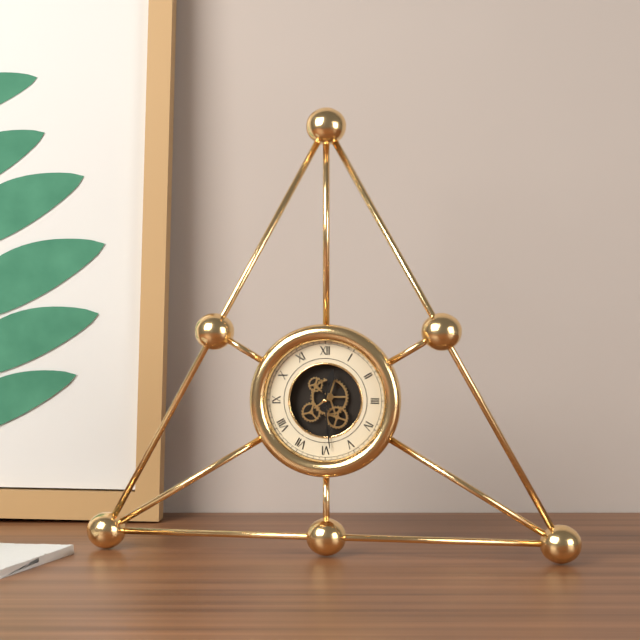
12:29
